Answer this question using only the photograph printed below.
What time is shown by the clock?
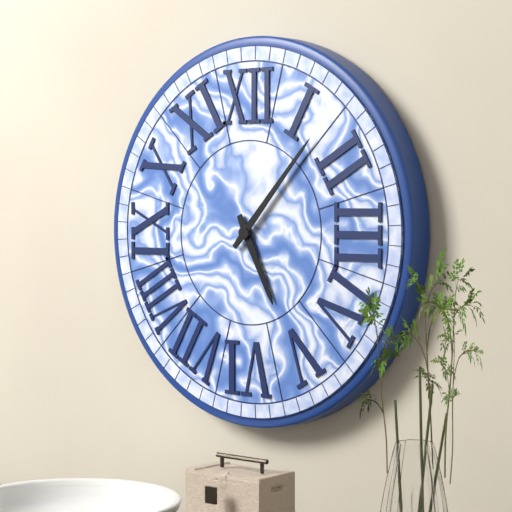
5:07
